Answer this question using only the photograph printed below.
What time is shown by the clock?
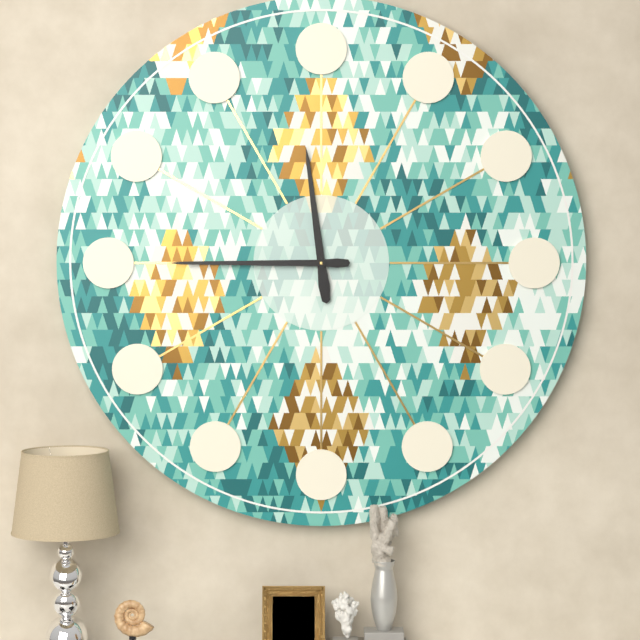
11:45
